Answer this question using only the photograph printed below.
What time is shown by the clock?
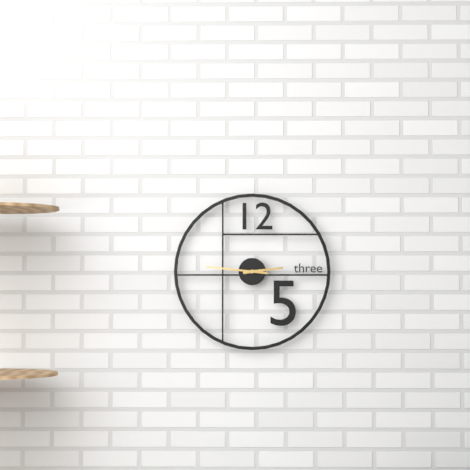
2:46
